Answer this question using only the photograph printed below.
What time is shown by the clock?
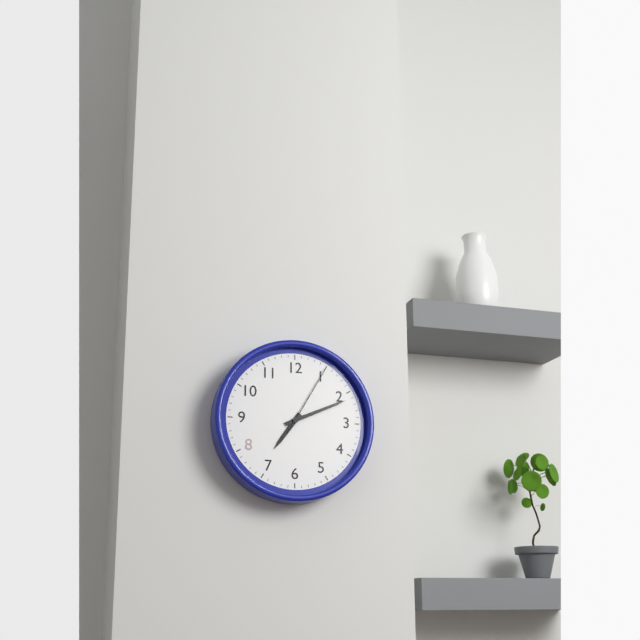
7:11:05
